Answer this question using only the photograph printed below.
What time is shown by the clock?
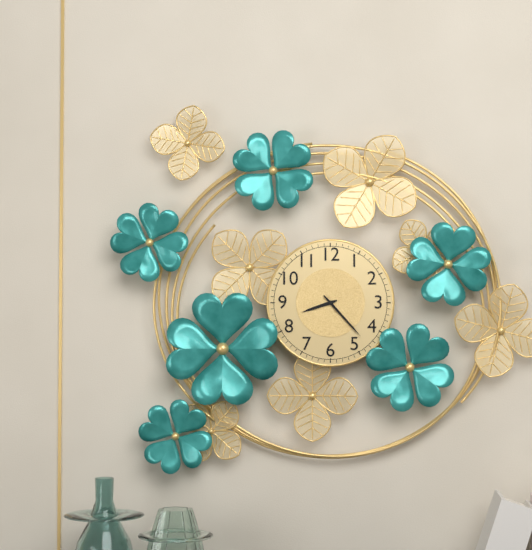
8:23
